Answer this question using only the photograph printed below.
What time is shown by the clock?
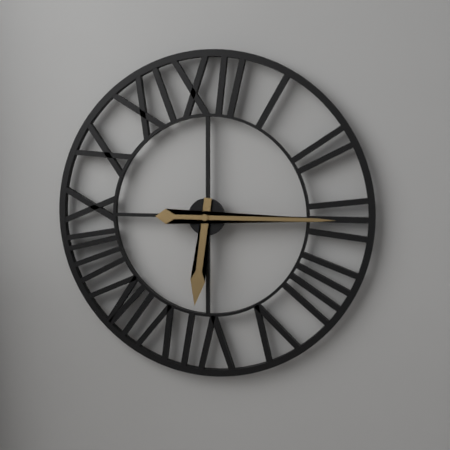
6:15
